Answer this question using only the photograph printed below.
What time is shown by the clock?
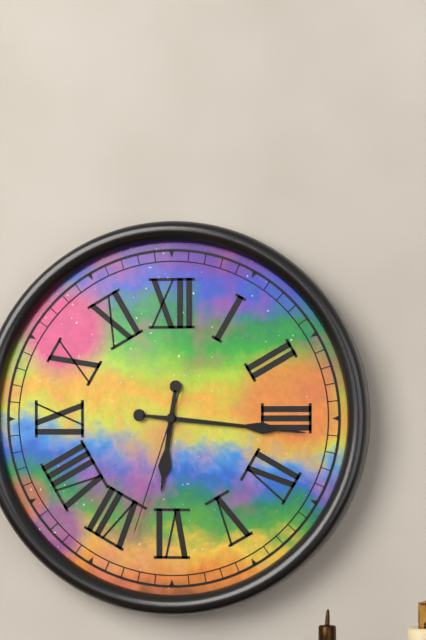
6:16:33
